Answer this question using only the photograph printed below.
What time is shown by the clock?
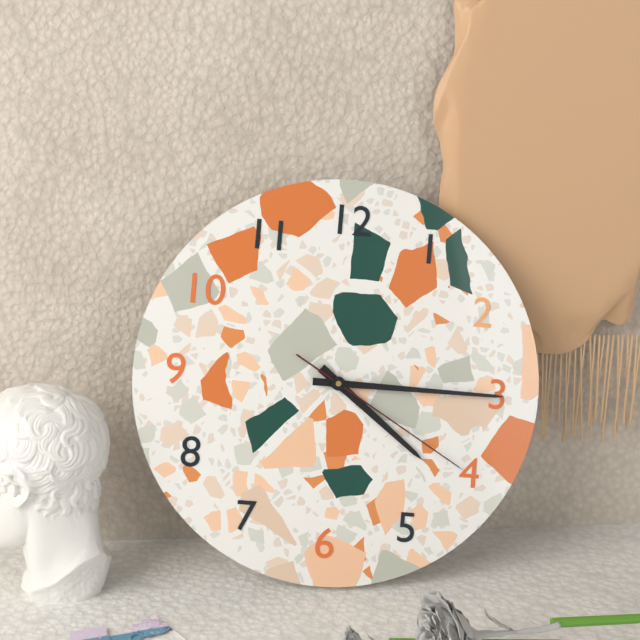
4:15:20
